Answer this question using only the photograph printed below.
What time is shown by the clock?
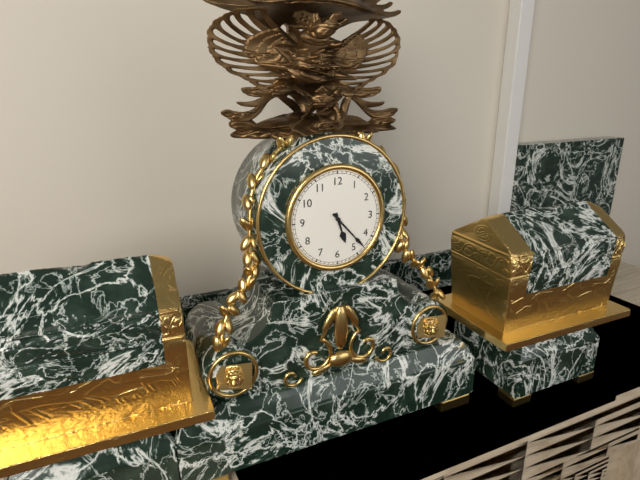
5:23
